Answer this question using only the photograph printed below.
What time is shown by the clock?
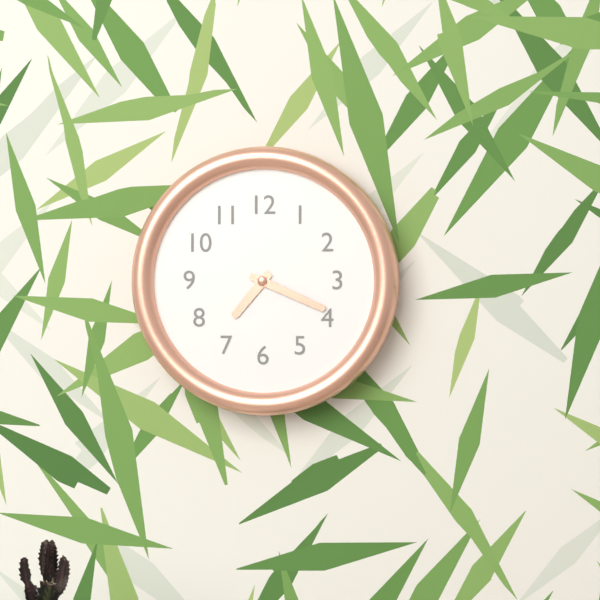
7:19
